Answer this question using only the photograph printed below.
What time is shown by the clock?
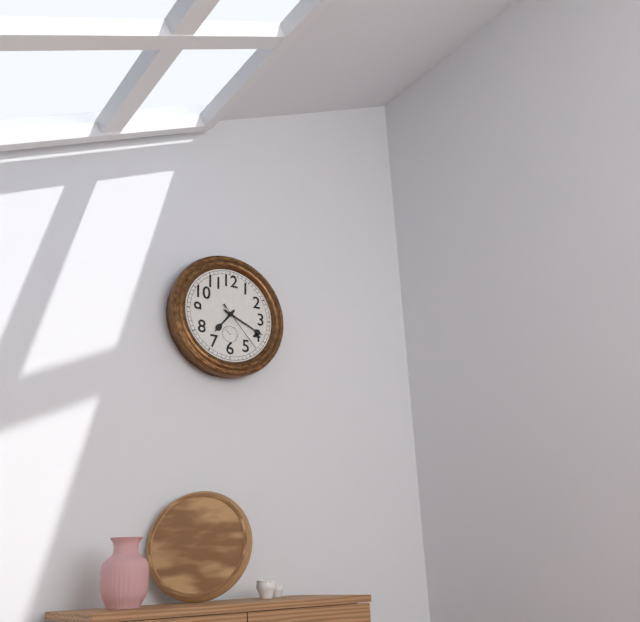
7:19:23
